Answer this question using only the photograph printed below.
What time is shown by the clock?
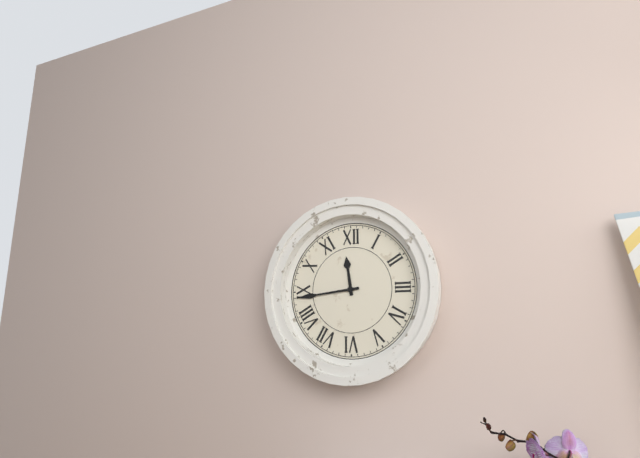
11:44
